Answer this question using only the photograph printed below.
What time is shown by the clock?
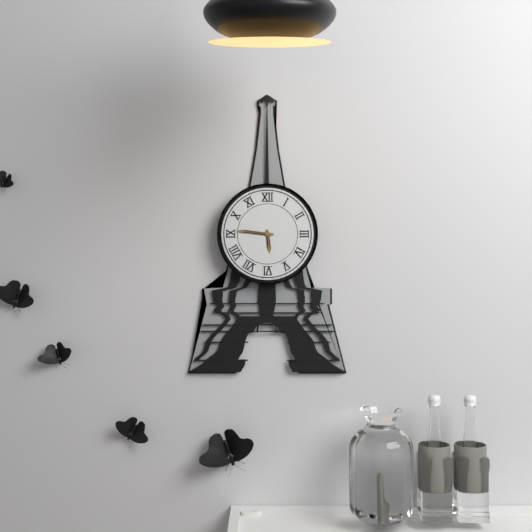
5:46
